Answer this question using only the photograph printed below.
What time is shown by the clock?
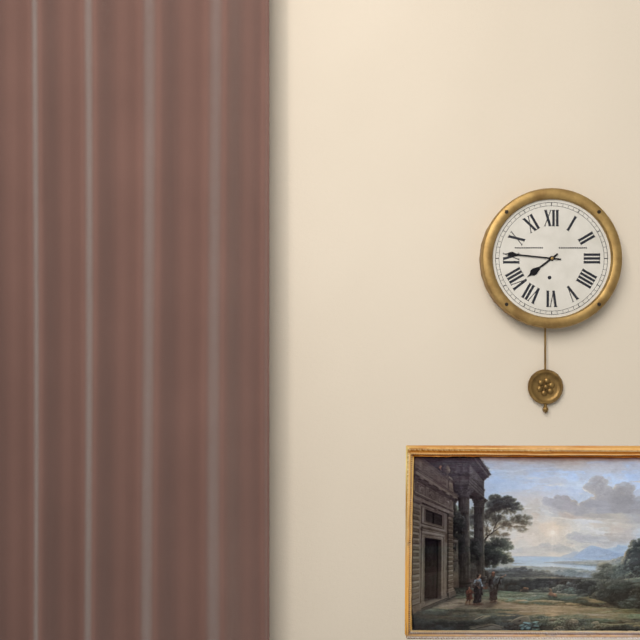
7:46
